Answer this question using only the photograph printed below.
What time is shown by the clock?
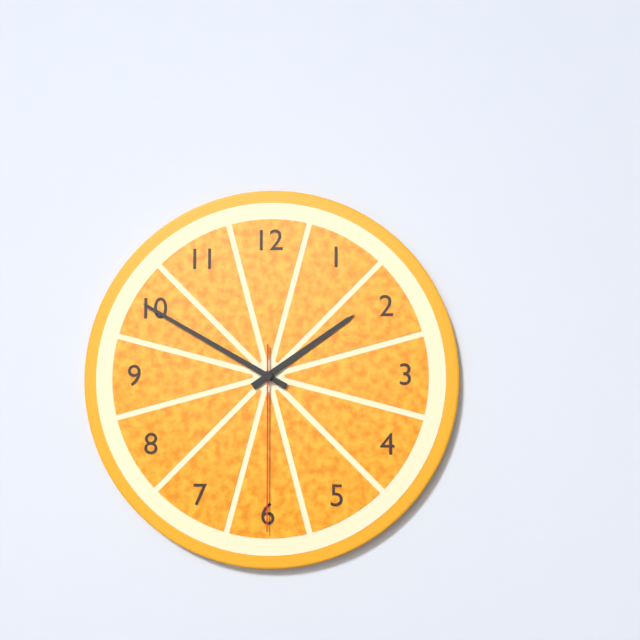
1:50:30
